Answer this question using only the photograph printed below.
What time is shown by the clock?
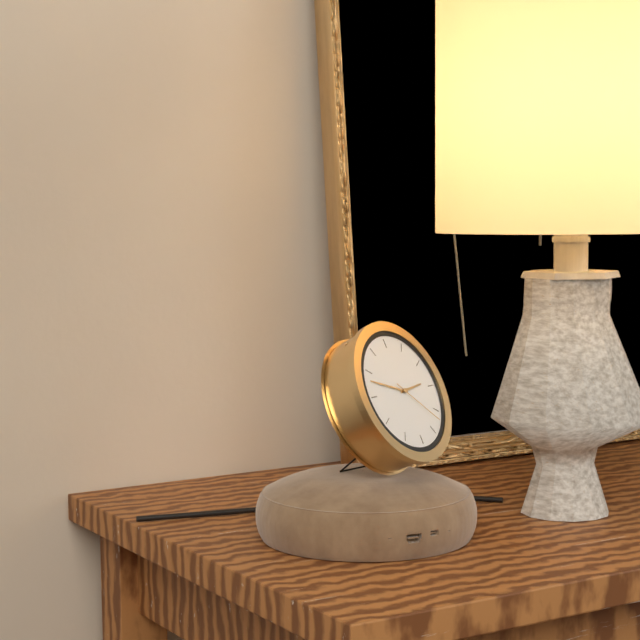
2:48:22
